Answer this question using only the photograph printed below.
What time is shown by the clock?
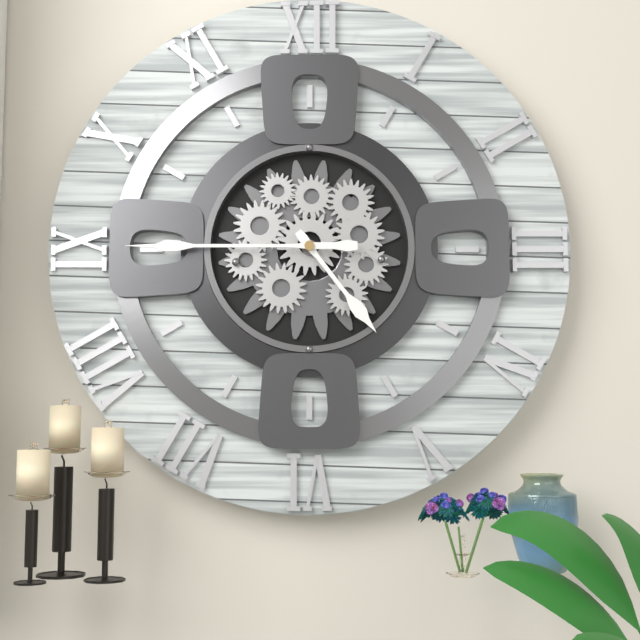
4:45
